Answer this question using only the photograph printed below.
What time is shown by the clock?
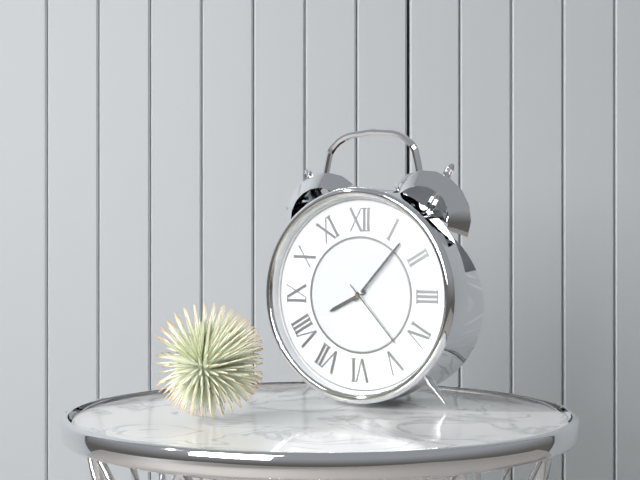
8:07:23
